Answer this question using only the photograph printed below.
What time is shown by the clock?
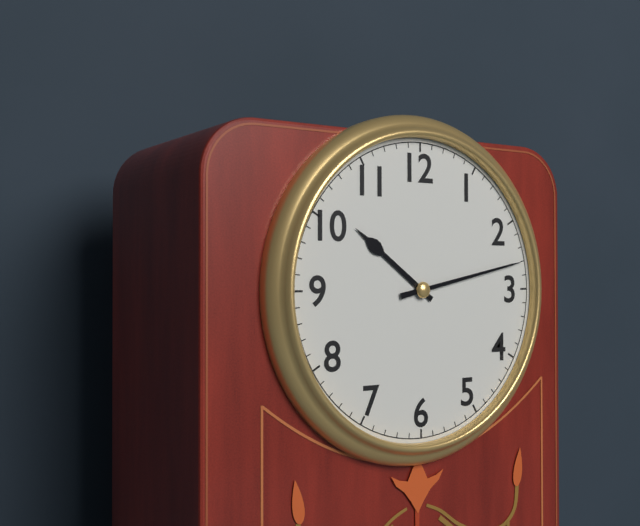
10:13
